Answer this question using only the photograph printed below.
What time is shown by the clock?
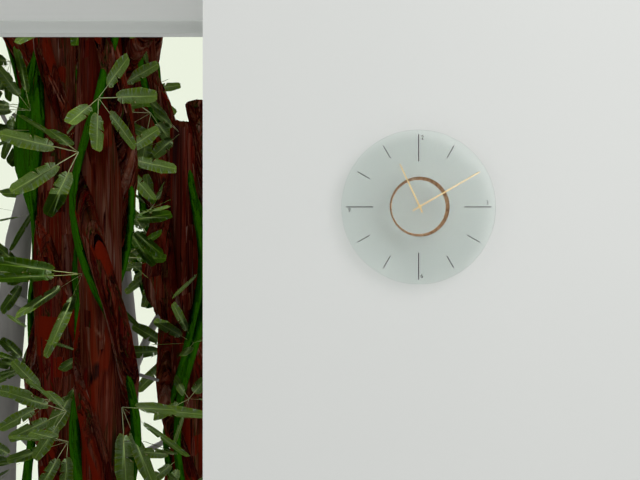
11:10
